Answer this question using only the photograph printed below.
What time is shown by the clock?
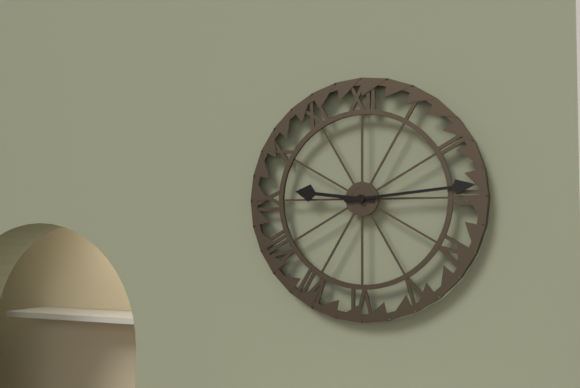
9:14
